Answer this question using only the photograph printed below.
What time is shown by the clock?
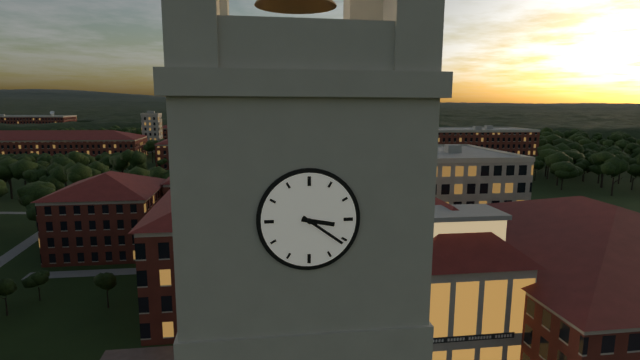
3:21
